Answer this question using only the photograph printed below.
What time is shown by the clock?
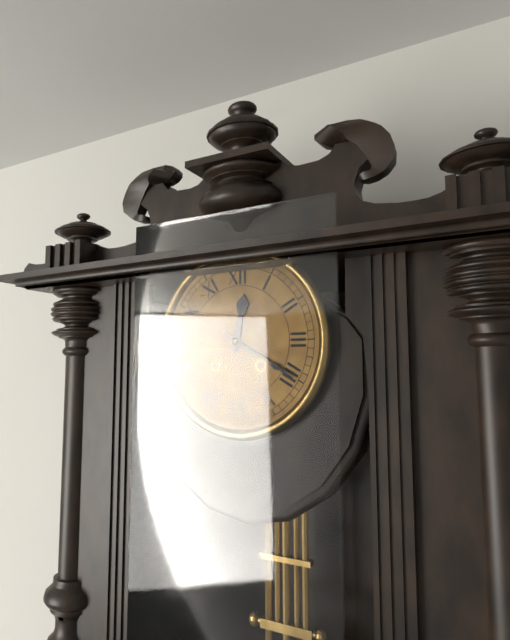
12:20
